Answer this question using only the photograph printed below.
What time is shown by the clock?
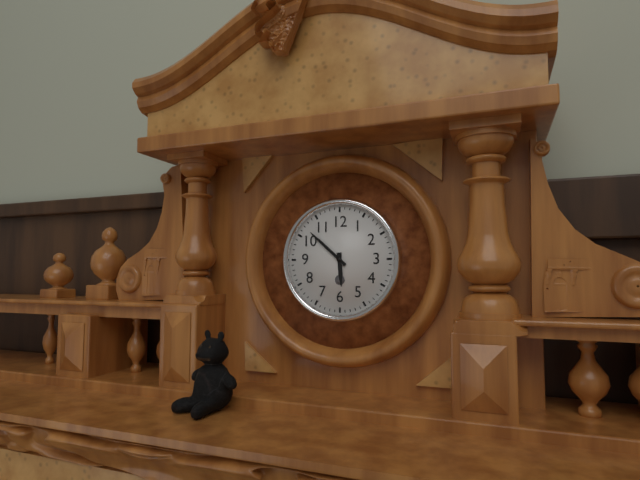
5:52
